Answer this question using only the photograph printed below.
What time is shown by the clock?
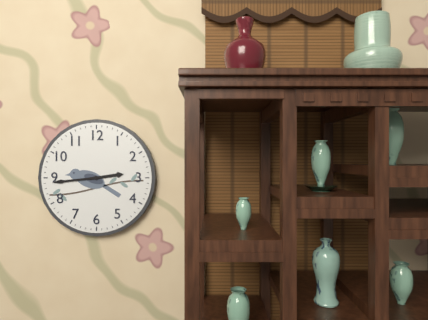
2:44
